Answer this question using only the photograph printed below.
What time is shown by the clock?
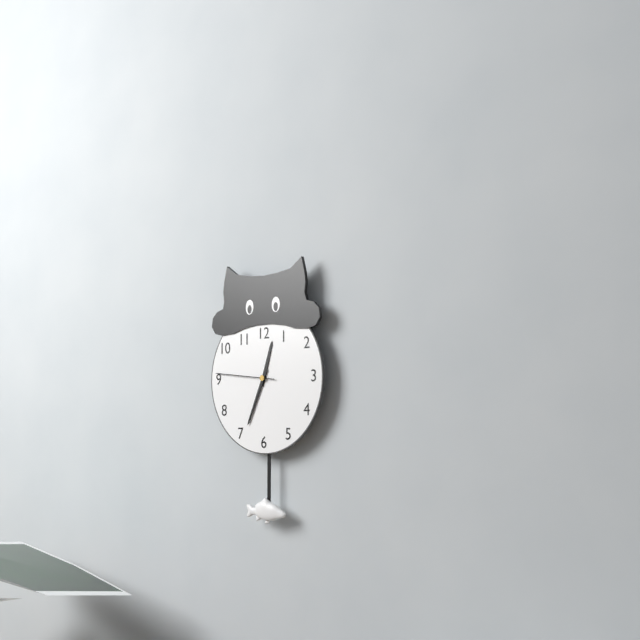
12:34:46
